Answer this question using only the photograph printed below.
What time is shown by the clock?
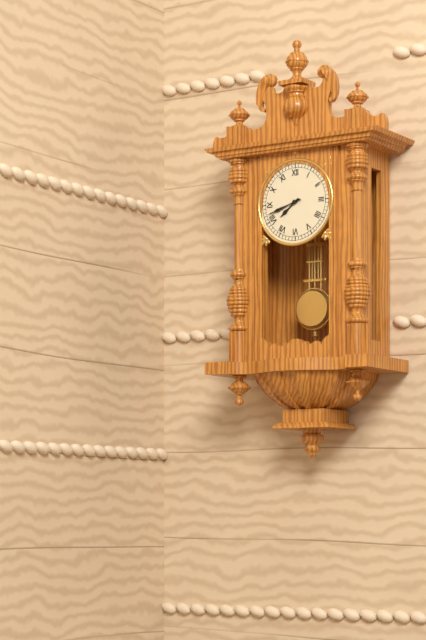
7:42
